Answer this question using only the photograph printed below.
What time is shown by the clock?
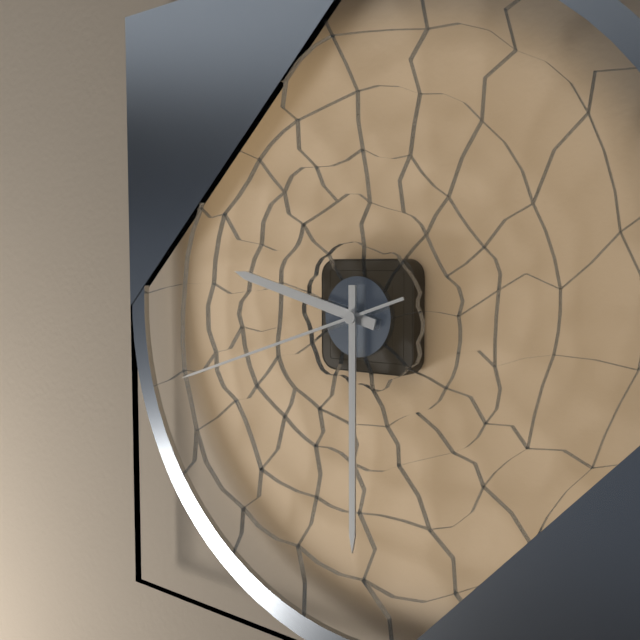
9:30:42
